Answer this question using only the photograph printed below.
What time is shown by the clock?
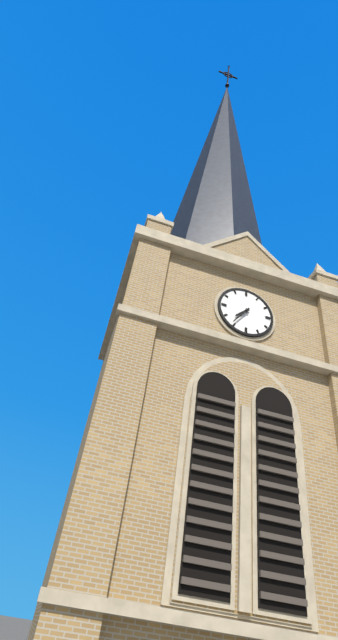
7:36
